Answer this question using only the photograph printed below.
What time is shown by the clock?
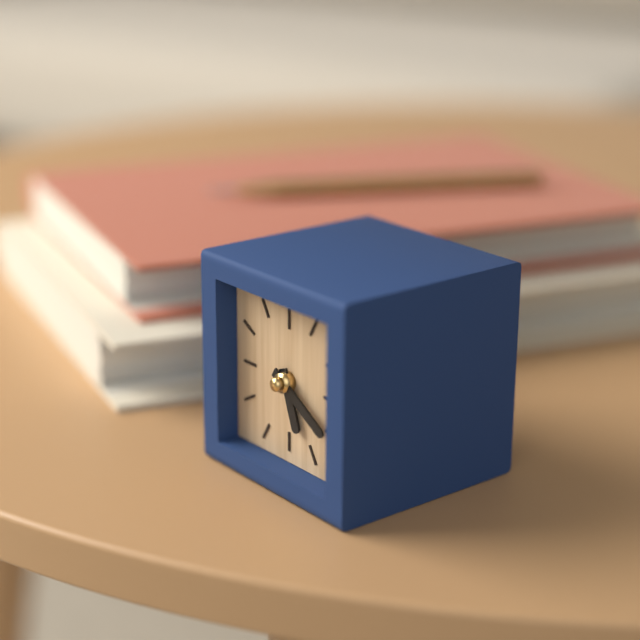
5:20
